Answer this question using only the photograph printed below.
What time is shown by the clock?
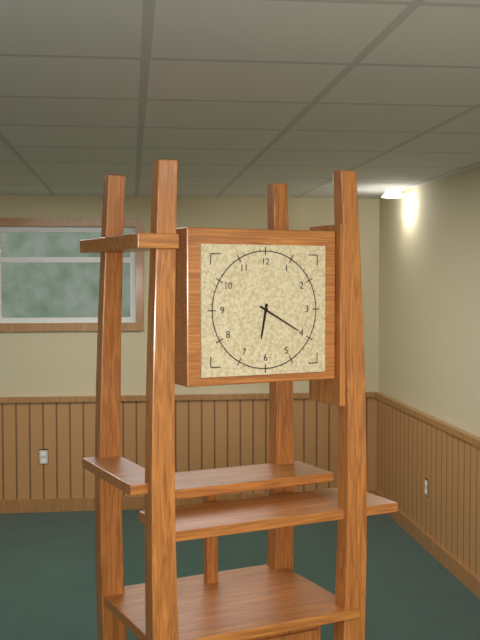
6:20
